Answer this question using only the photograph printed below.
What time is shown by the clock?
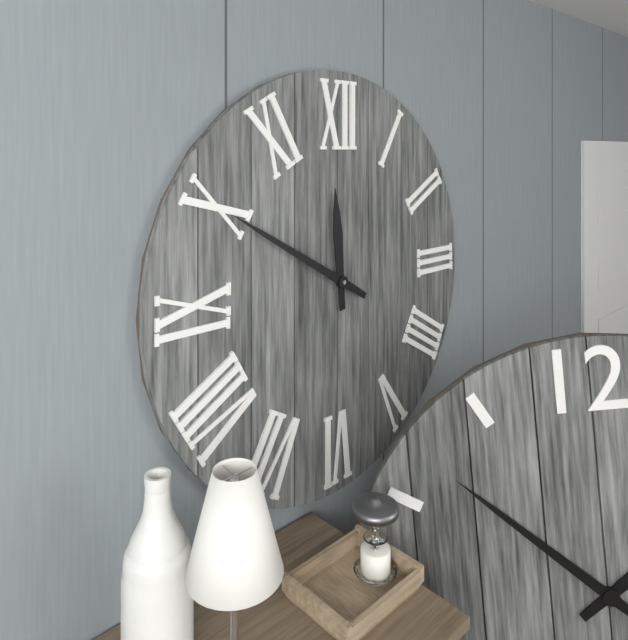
11:50
